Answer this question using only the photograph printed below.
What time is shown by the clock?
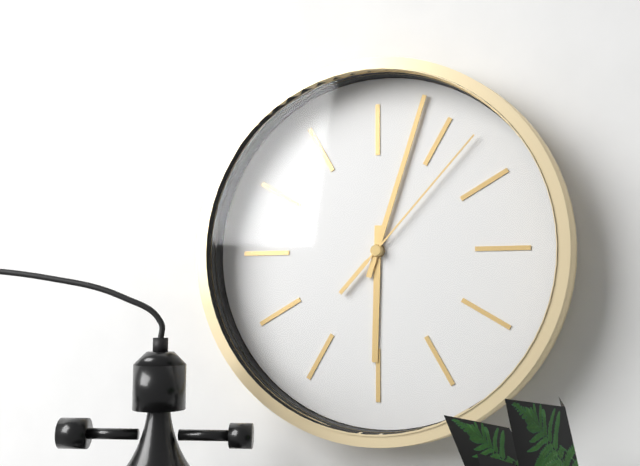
6:03:07
